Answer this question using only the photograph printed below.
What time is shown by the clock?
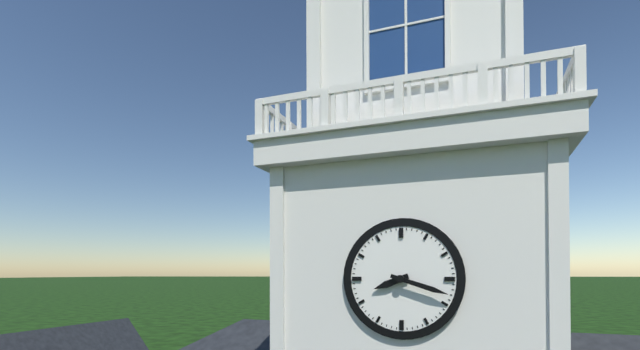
8:18
